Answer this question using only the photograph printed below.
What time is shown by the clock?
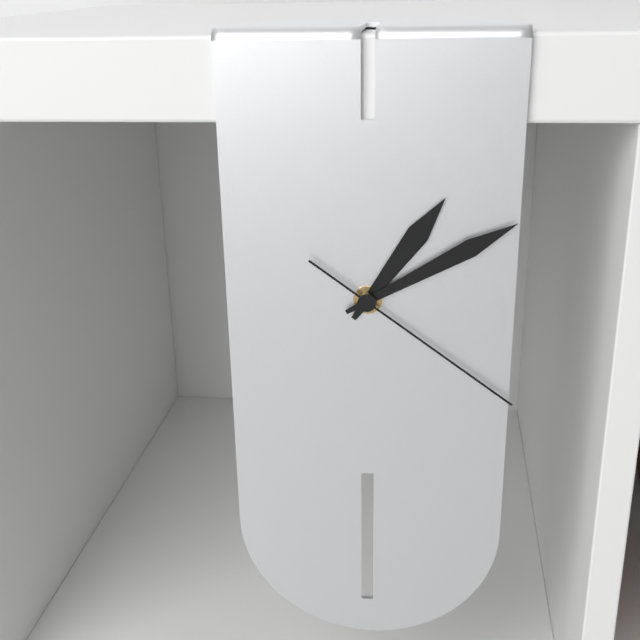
1:10:21
